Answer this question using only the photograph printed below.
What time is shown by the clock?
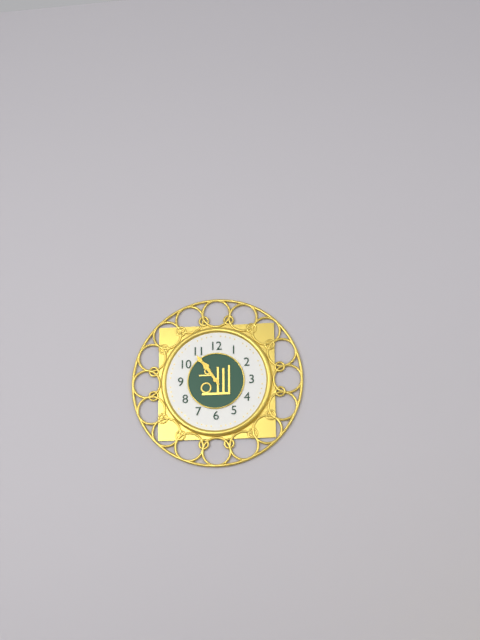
10:54
